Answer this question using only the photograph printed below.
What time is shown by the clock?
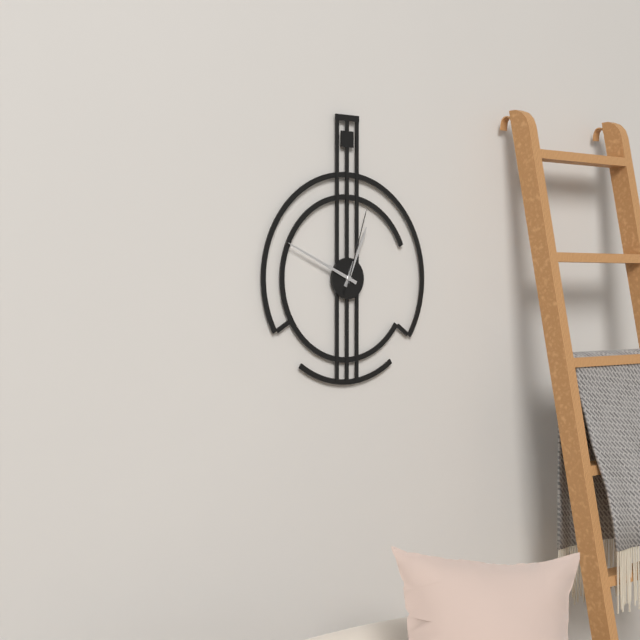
12:49:03
